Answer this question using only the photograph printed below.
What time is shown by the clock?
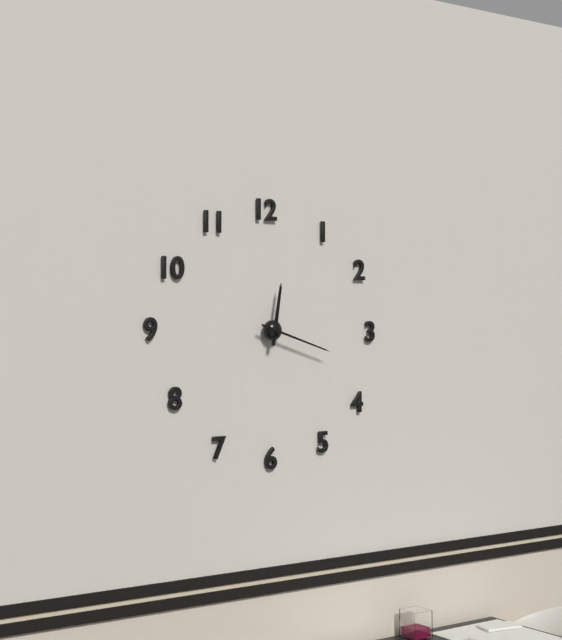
12:18
